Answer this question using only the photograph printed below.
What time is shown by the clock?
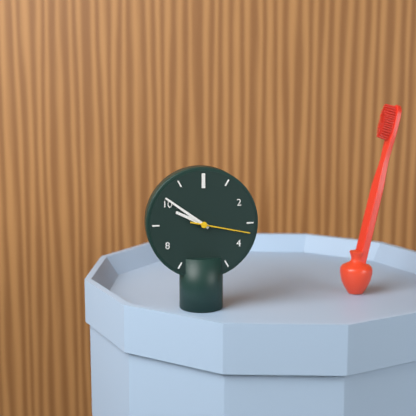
9:51:17
